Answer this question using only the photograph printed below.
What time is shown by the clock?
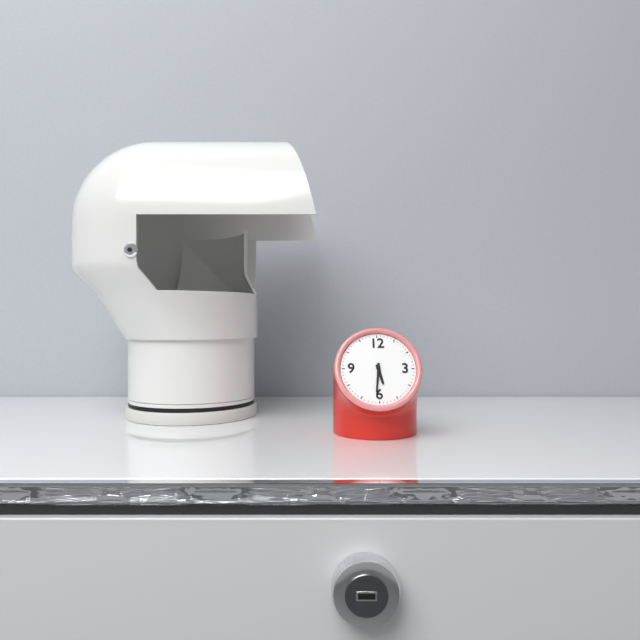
5:31
